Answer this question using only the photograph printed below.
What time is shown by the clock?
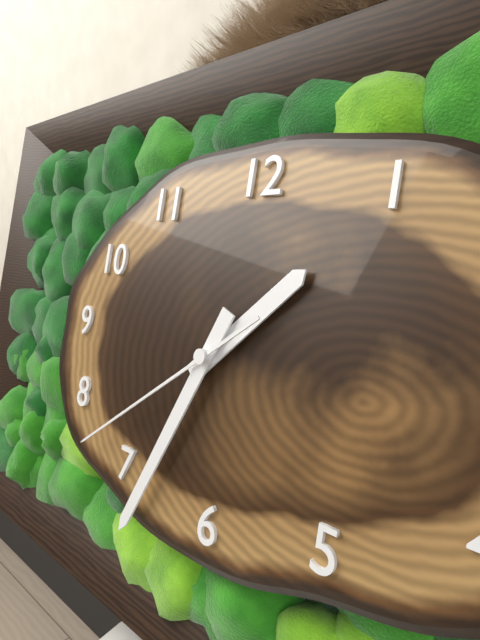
1:34:39
